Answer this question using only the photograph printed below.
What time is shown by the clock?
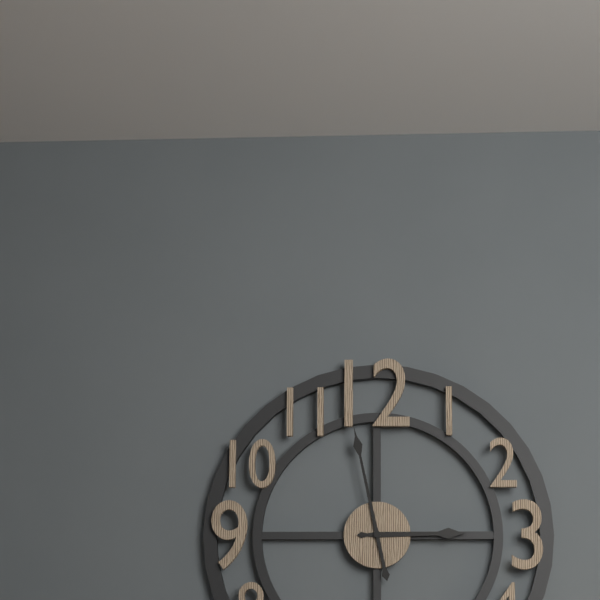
2:58
